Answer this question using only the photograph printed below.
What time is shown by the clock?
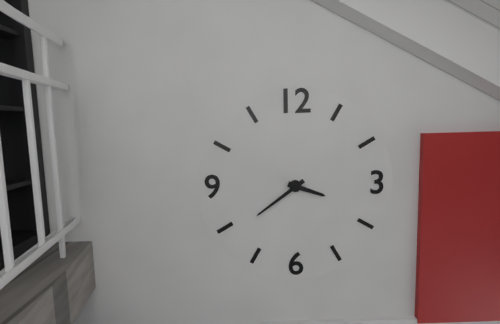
3:39
